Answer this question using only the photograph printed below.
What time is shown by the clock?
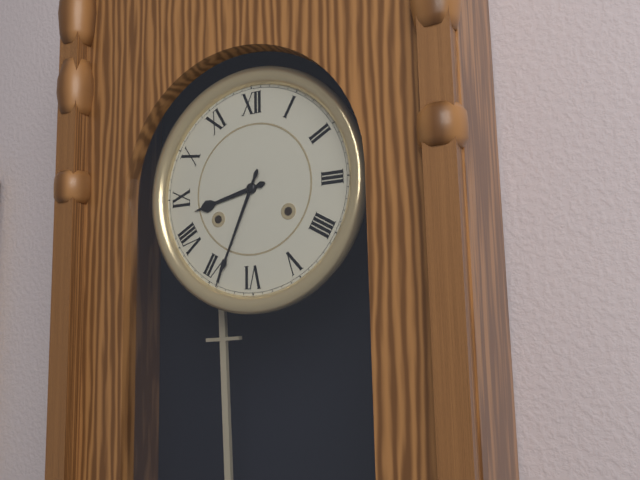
8:34
